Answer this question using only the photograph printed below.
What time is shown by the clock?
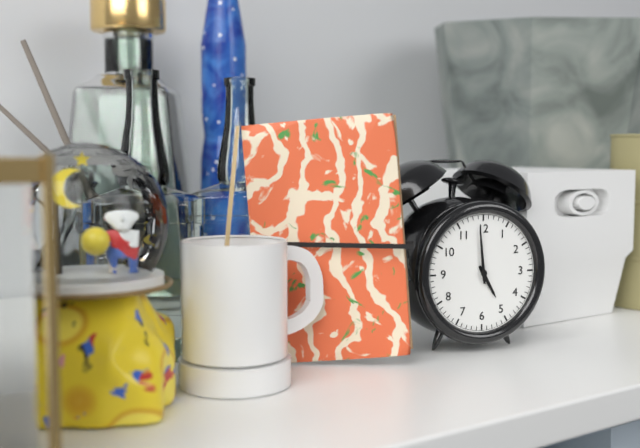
4:59
